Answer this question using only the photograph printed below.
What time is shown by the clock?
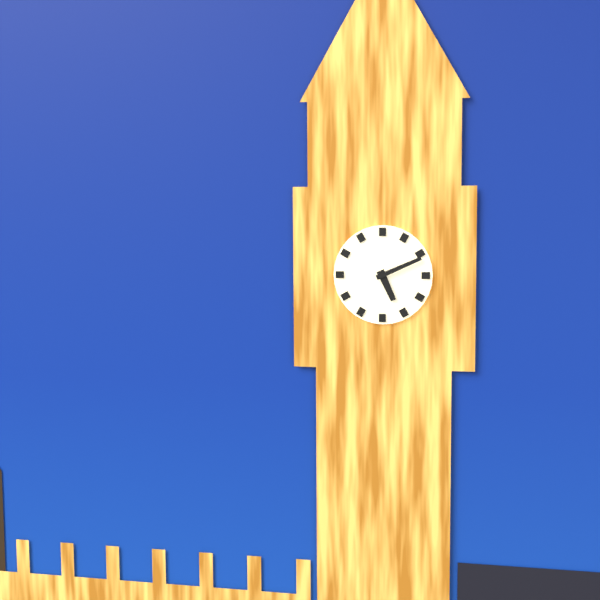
5:11
